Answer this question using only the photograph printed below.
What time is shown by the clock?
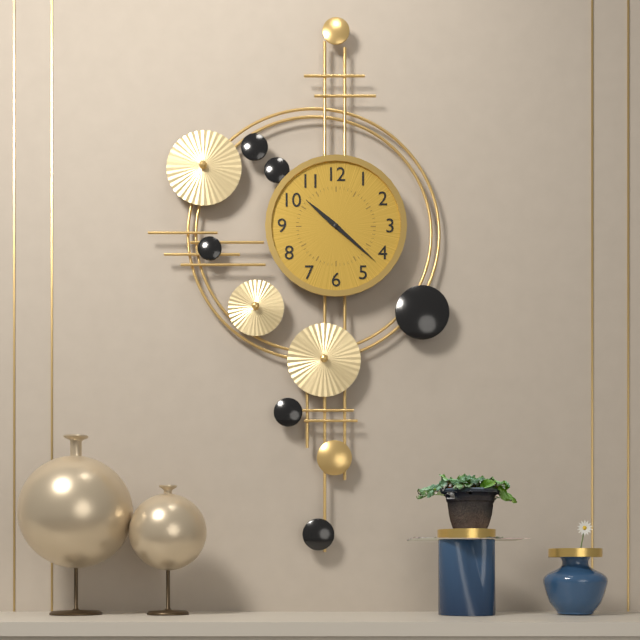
10:22
